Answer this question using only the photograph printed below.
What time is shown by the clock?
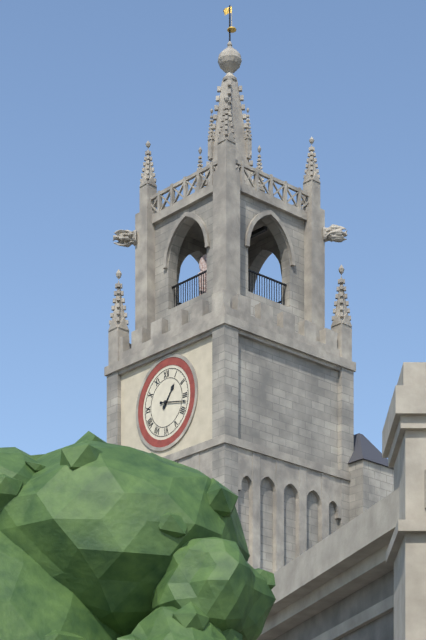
1:17
